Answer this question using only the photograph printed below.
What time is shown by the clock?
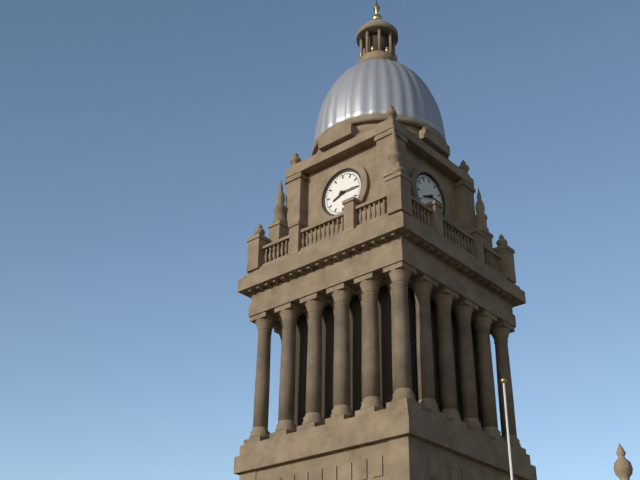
8:15
